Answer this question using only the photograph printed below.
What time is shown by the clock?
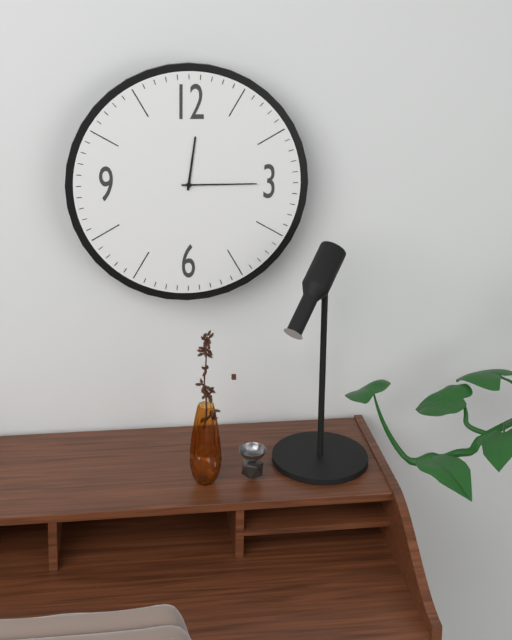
12:15
